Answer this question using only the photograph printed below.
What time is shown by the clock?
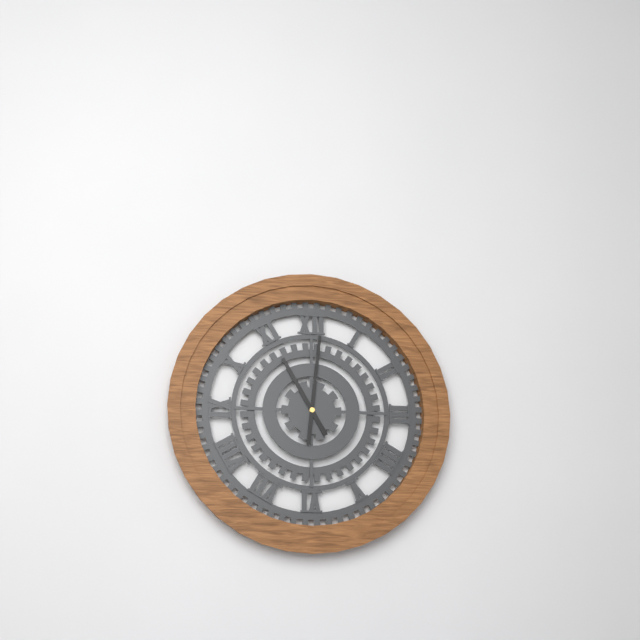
11:01
